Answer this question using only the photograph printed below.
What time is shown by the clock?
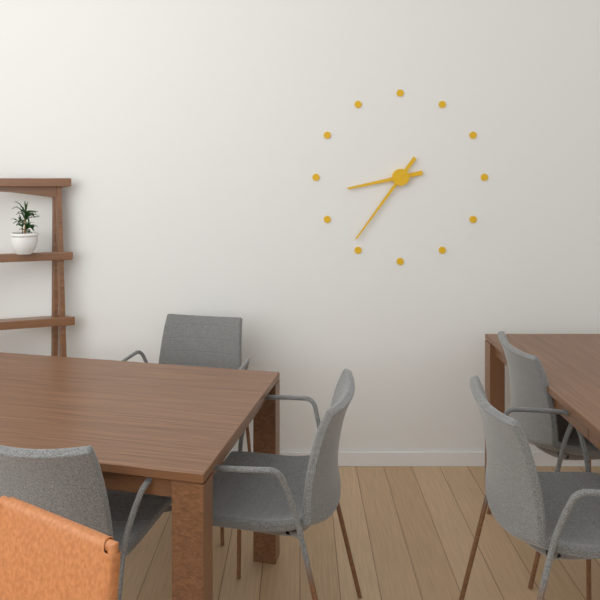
8:36
